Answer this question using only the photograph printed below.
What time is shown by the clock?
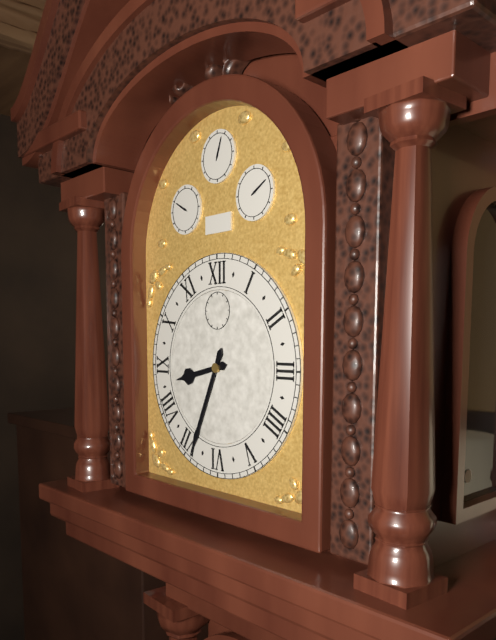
8:34
